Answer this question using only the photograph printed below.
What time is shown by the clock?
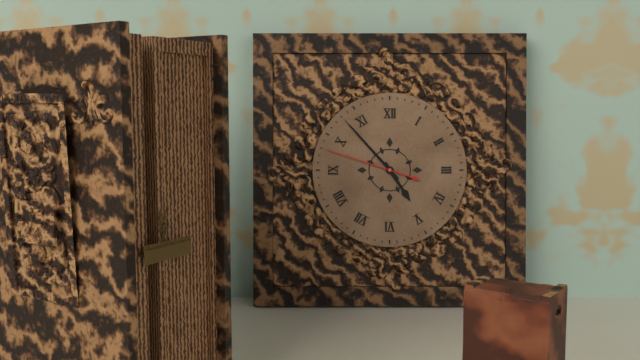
4:53:48
